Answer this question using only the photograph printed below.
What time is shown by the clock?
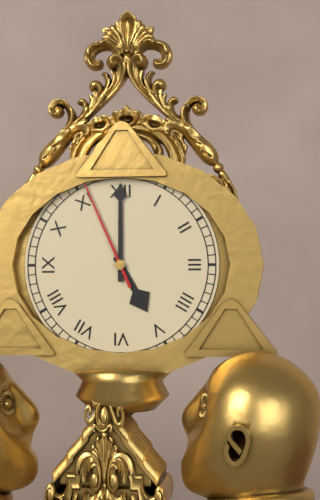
5:00:56
